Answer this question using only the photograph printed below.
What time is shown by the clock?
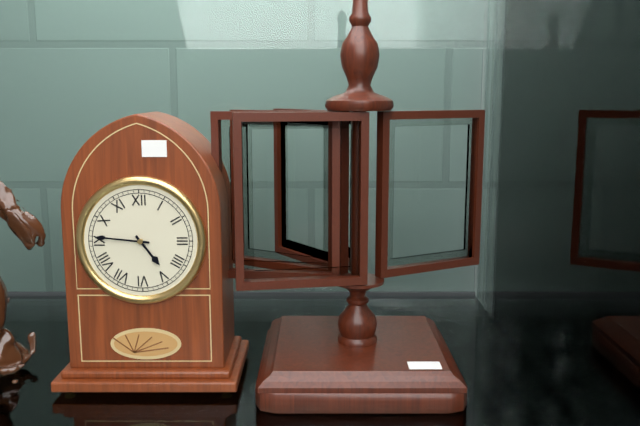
4:46
